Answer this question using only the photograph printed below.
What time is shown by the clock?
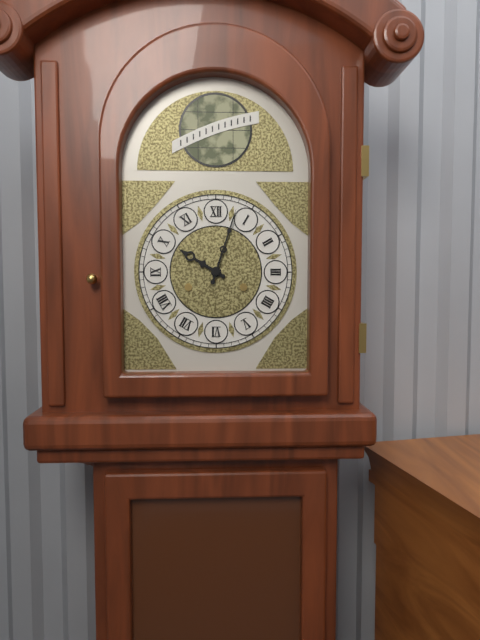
10:03
